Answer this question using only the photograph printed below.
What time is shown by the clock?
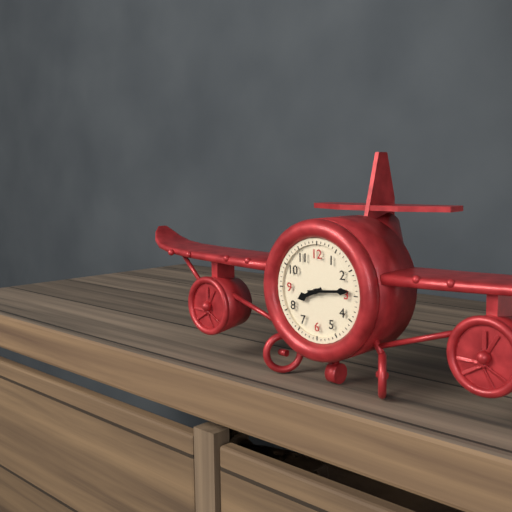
8:14
